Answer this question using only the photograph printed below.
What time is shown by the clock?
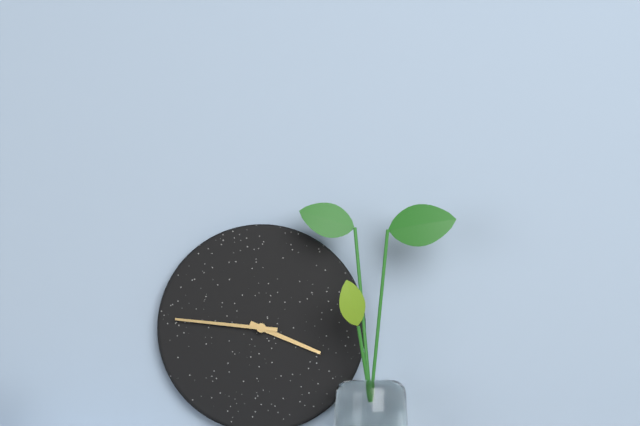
3:46
